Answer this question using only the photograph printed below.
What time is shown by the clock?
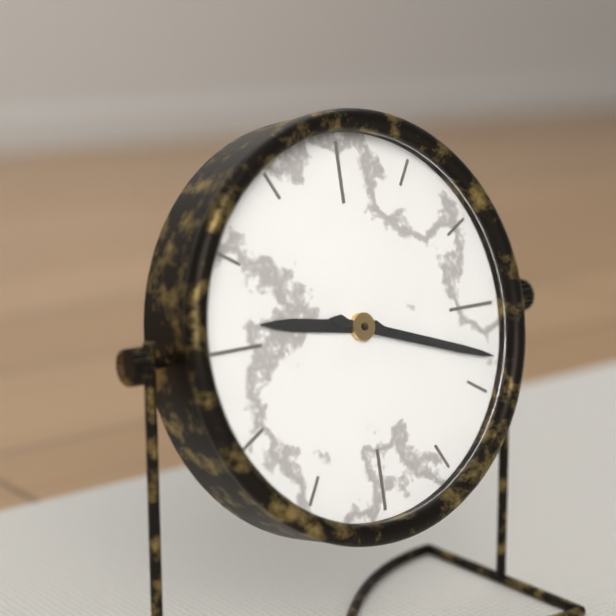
9:18
